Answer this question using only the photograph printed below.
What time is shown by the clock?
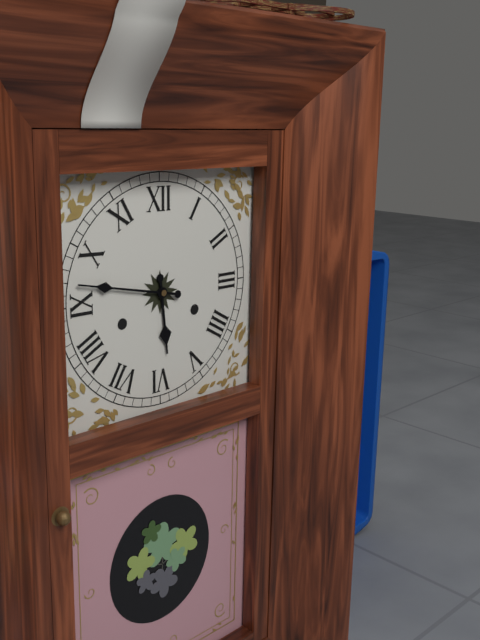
5:47
